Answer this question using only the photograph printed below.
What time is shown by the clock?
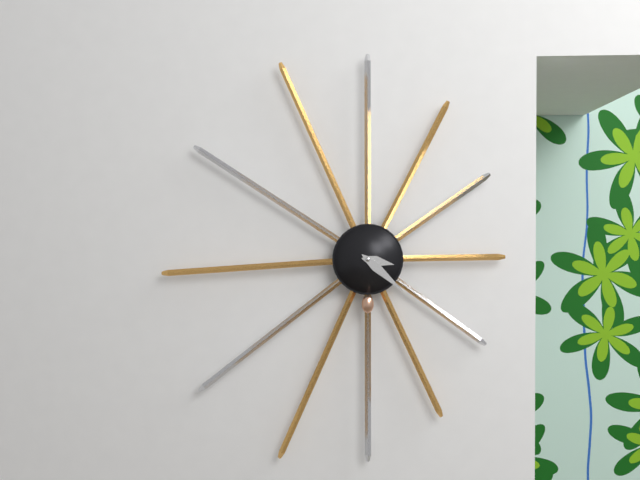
3:22
